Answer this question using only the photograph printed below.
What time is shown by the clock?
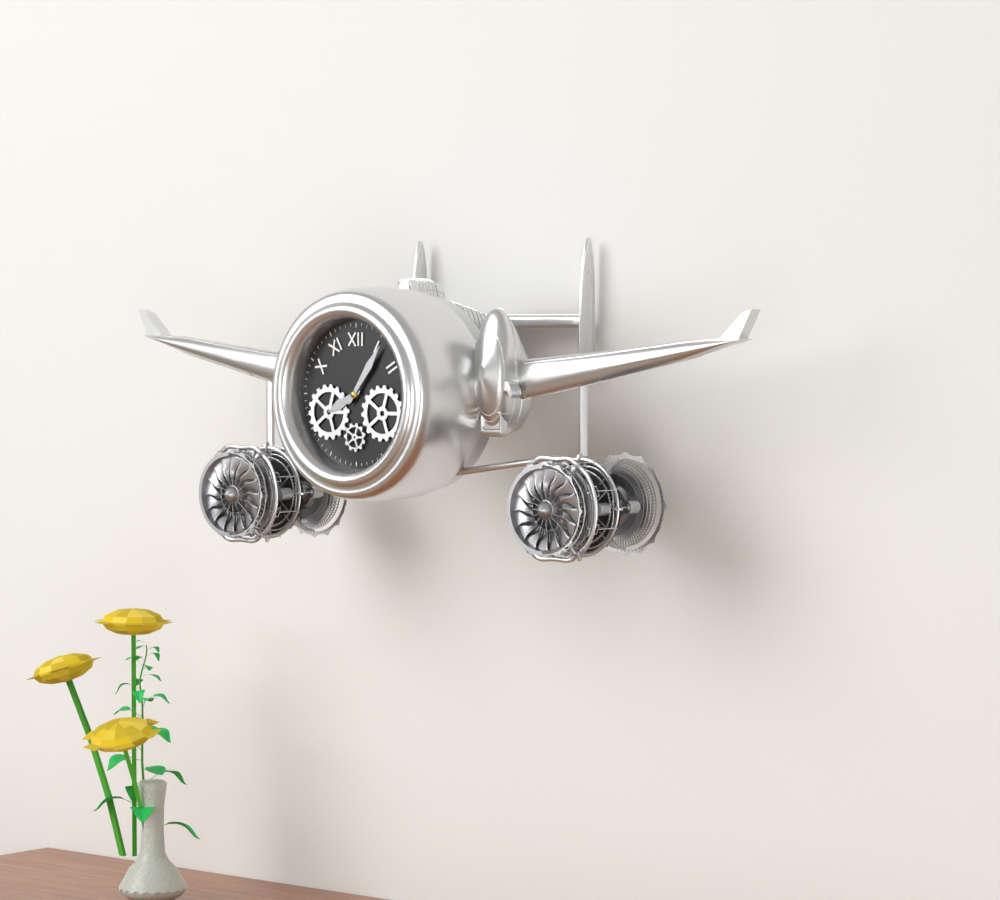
8:06
